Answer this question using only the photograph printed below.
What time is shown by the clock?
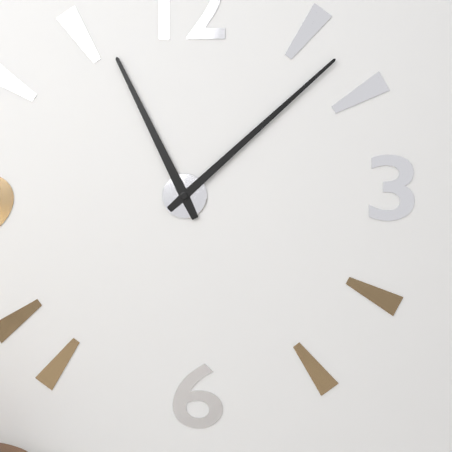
11:08
